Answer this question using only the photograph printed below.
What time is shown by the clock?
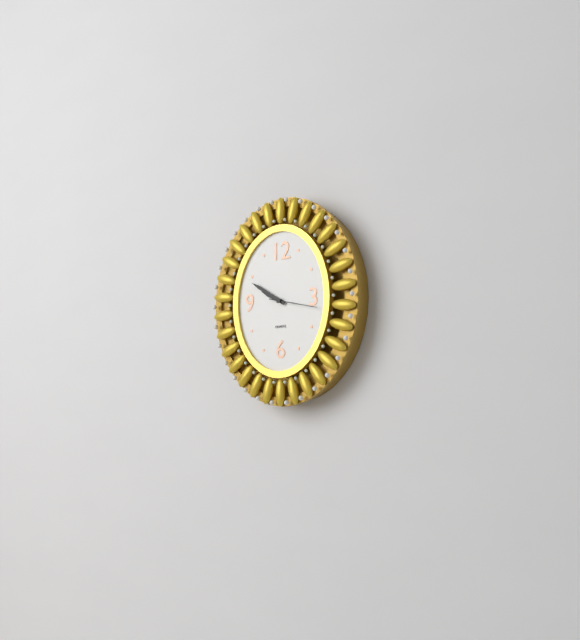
9:50
